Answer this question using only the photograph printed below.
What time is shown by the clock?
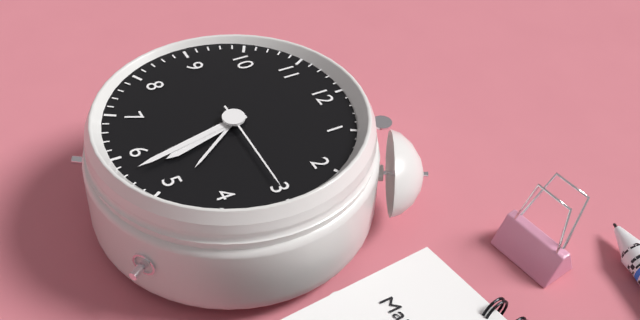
5:28:15
